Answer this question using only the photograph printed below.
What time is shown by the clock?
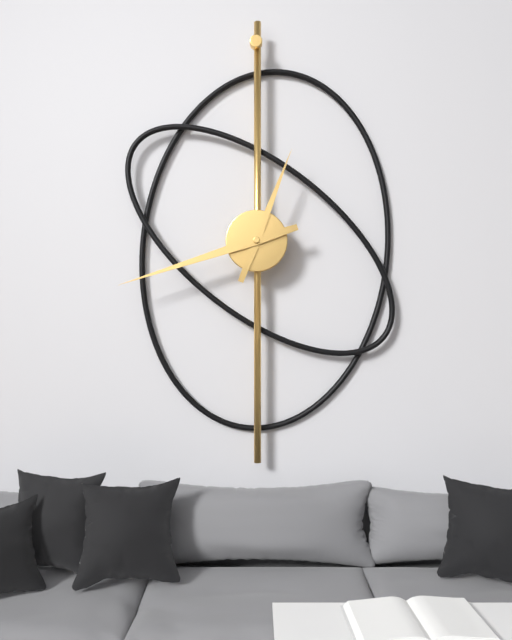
12:42
